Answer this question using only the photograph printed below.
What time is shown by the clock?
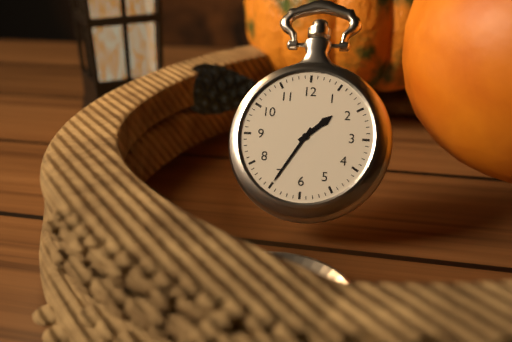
1:35
